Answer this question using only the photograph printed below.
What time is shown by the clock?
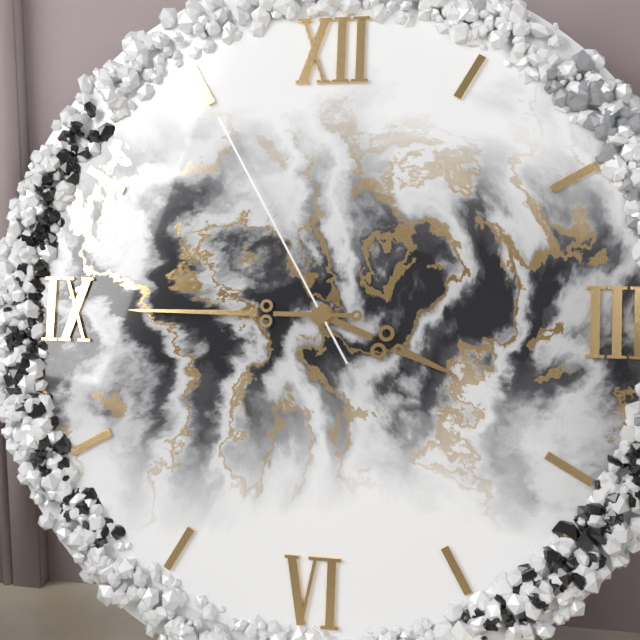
3:45:55
